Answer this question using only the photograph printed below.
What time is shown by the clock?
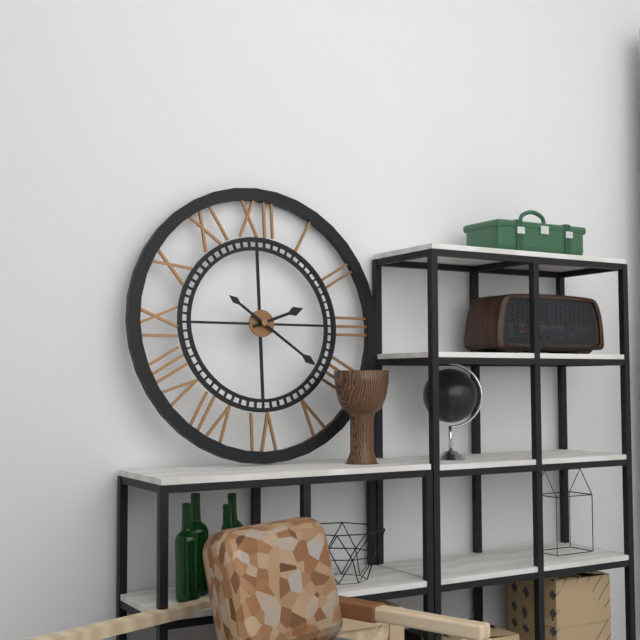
2:21
